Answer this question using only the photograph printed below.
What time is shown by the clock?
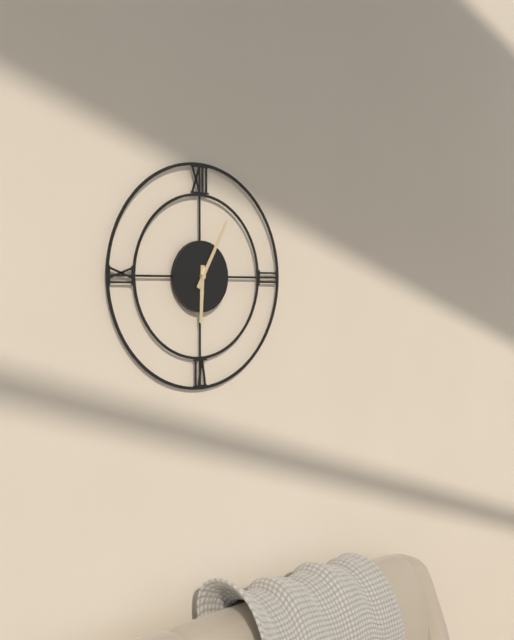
6:05
